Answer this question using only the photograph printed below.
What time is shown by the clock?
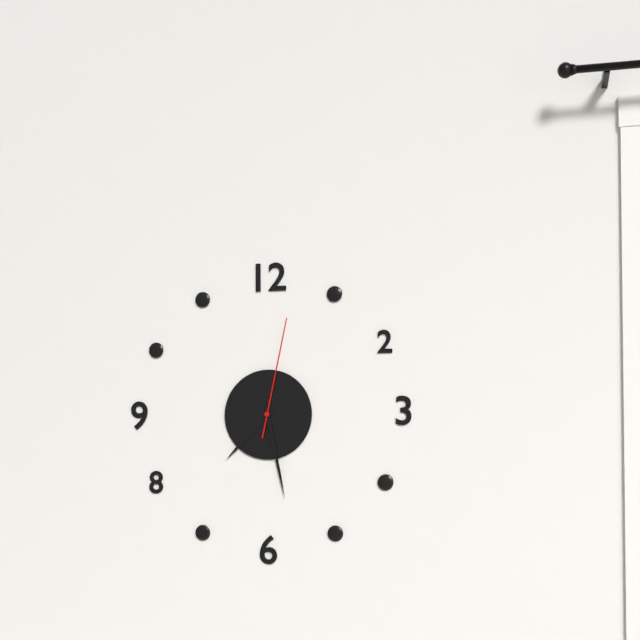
7:28:02
